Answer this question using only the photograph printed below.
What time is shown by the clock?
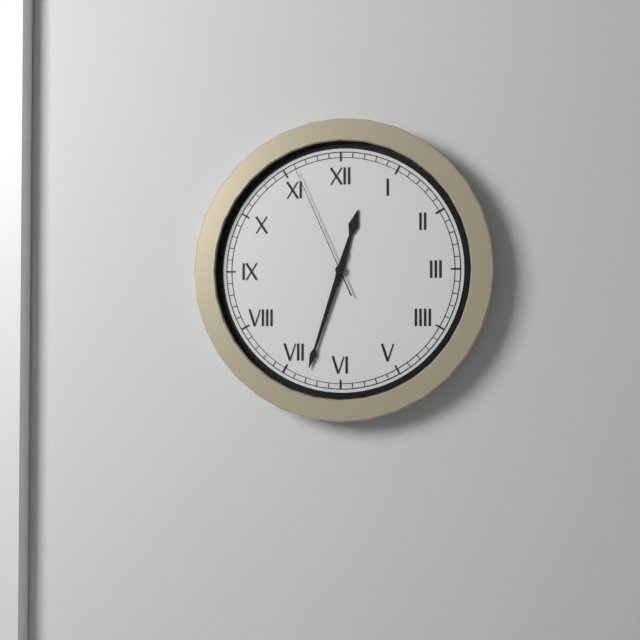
12:33:56
